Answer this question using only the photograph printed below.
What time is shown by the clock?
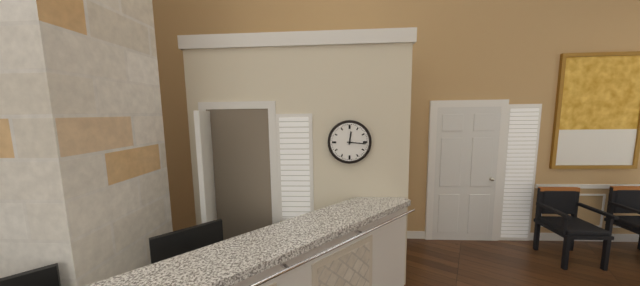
12:16
